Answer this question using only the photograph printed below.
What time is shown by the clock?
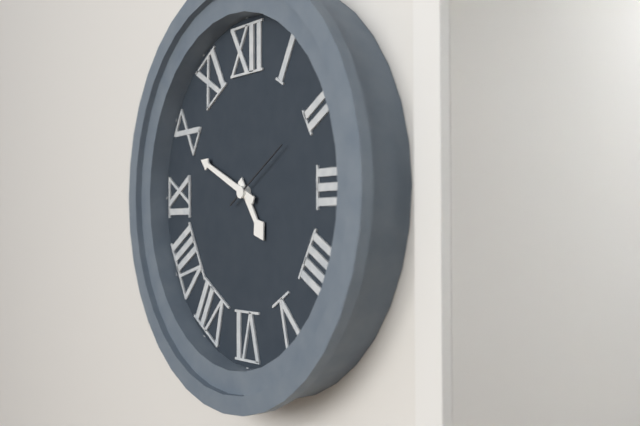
4:49:10
